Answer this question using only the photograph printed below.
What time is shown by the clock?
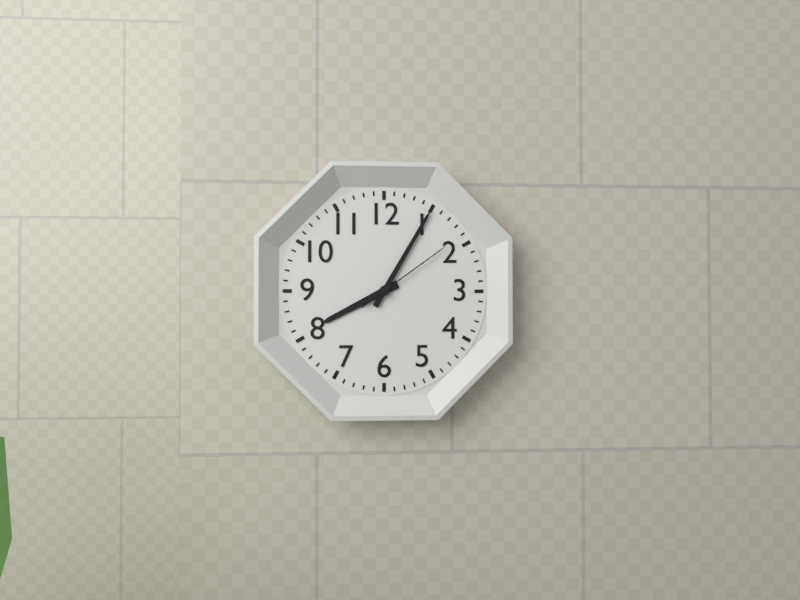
8:05:09
